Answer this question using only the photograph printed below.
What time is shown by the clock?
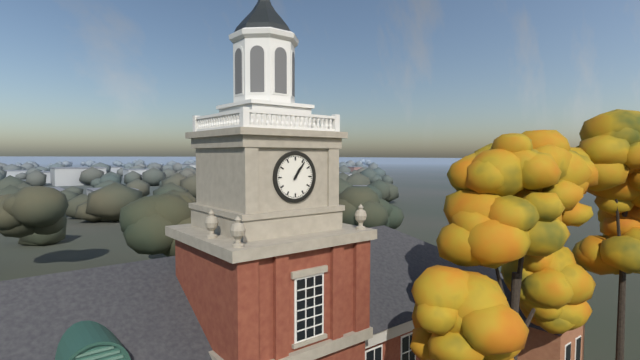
1:06
